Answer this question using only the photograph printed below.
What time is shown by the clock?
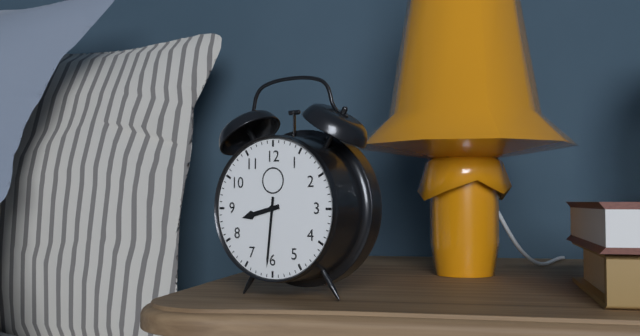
8:31
